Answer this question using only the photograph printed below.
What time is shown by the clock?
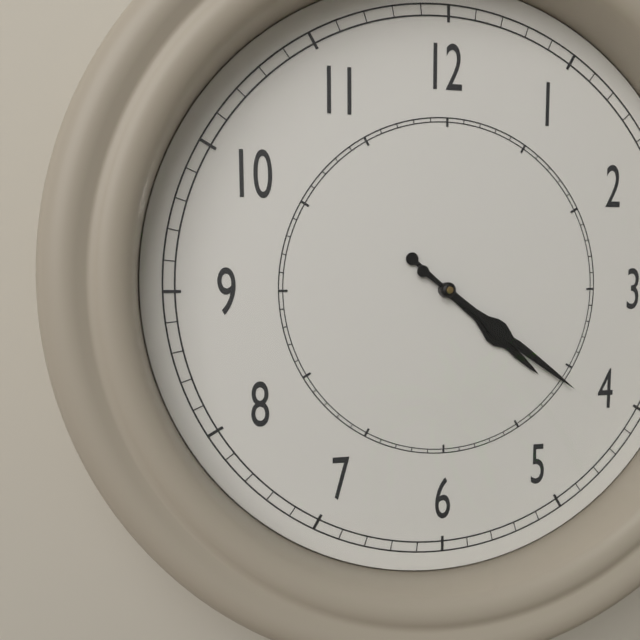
4:21
